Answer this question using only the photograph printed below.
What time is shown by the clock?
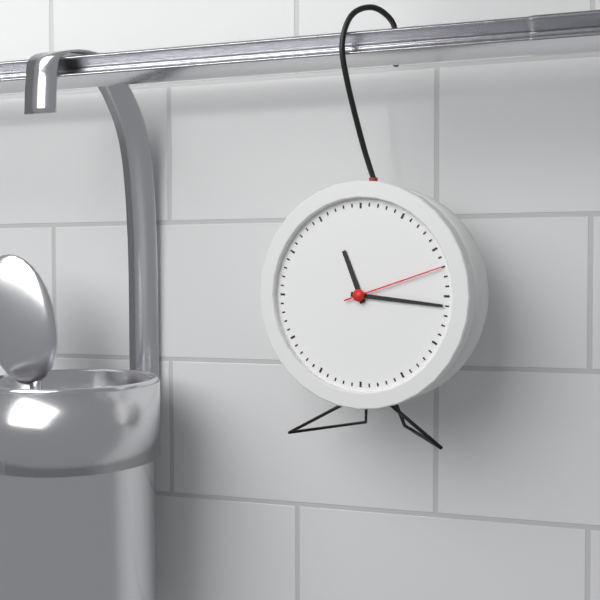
11:16:12
